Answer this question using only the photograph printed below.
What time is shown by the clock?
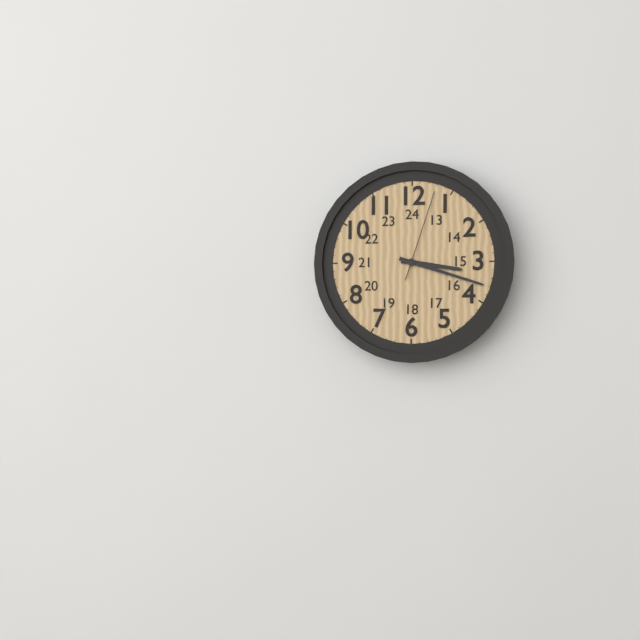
3:18:03
